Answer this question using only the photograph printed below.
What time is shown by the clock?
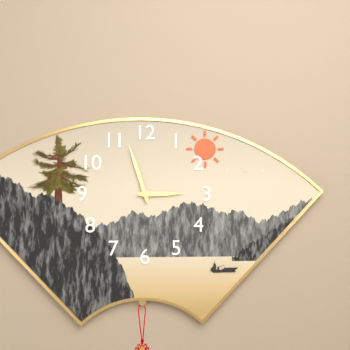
2:57
